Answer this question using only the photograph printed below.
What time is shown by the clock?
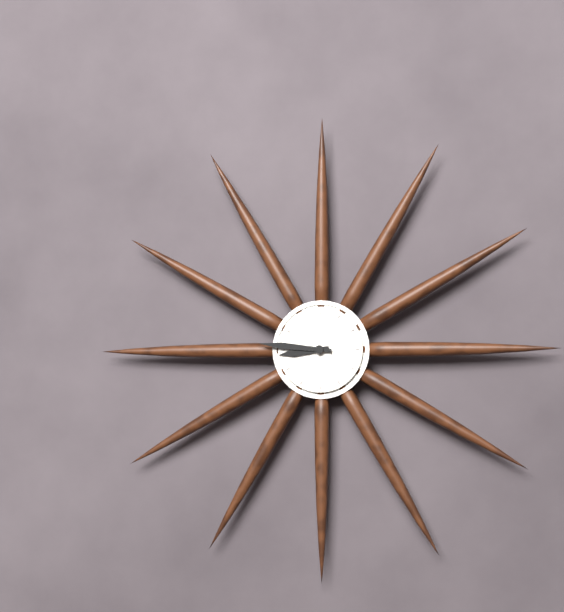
8:46
